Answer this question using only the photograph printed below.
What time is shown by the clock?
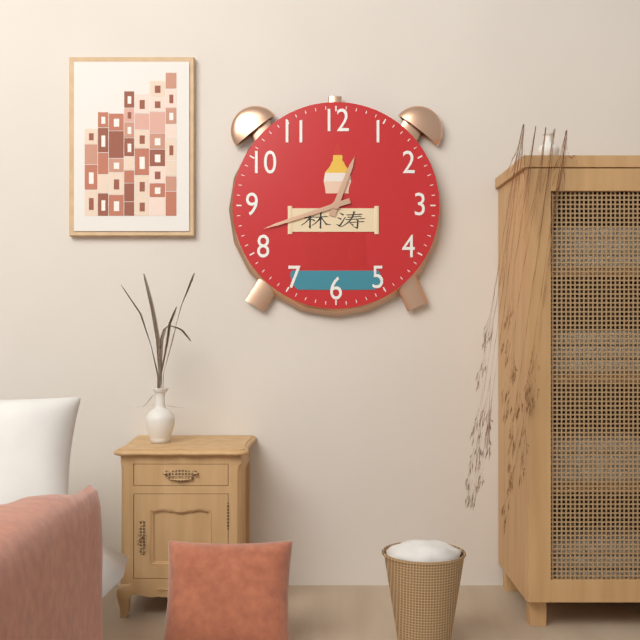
12:42
